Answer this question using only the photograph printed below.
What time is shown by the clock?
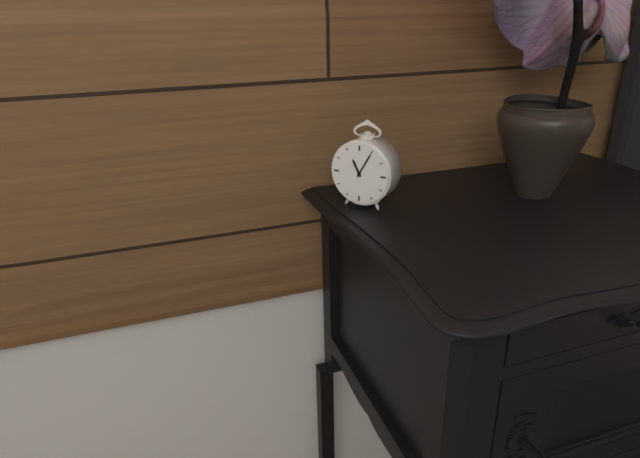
11:05
